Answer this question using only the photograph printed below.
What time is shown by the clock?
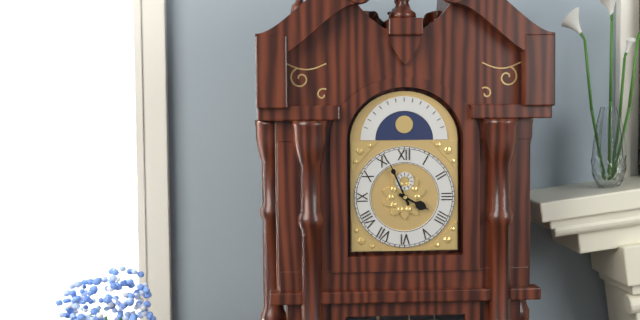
3:56
